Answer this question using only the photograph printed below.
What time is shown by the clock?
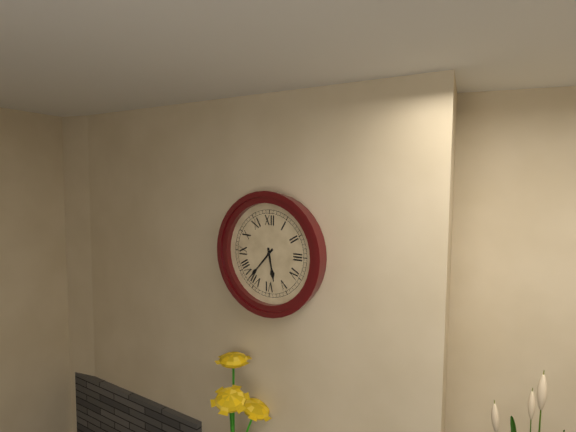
5:37
